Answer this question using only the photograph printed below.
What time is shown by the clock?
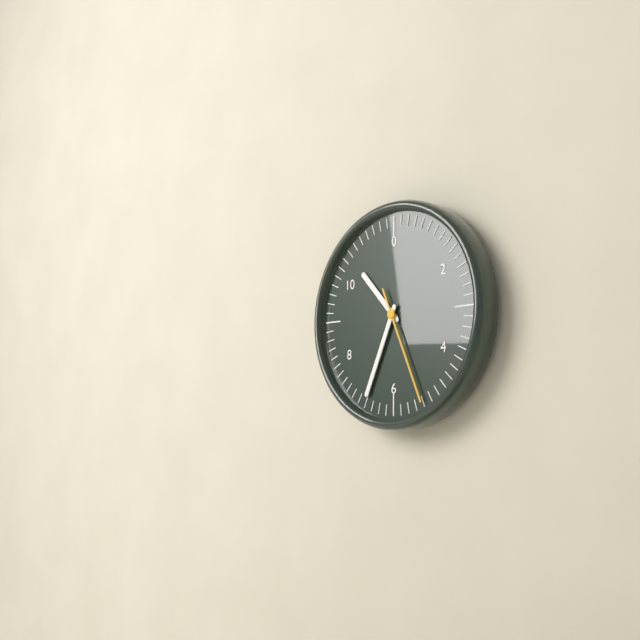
10:34:26
